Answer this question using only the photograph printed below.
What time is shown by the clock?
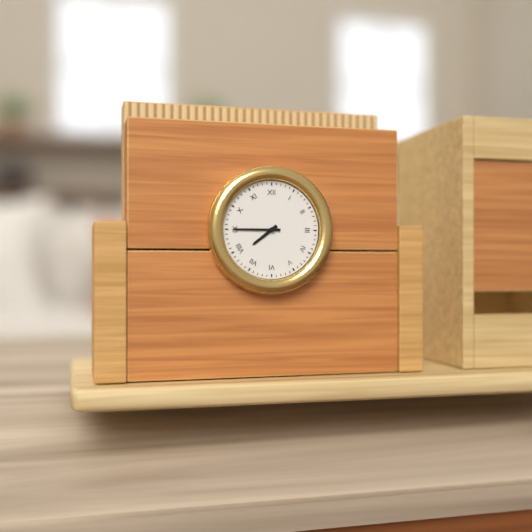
7:45
